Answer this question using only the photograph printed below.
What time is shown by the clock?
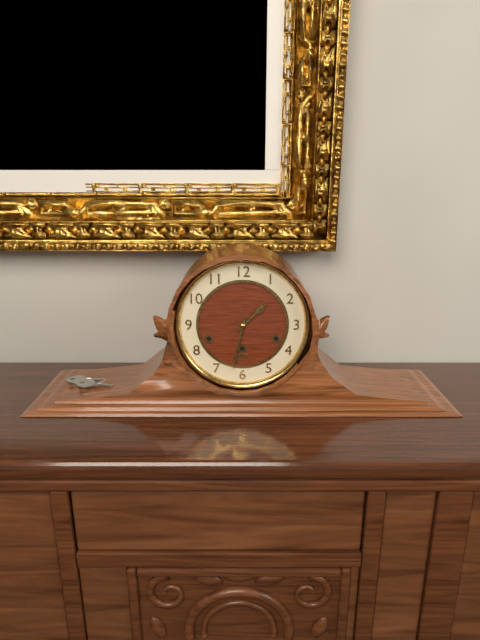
1:32
